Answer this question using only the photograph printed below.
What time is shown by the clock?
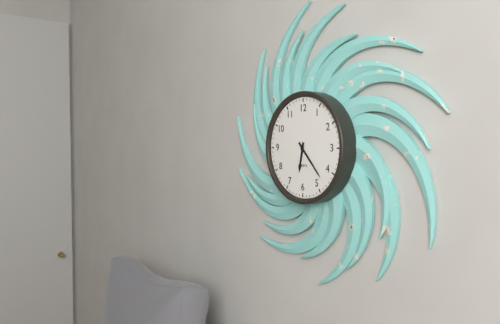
6:23
